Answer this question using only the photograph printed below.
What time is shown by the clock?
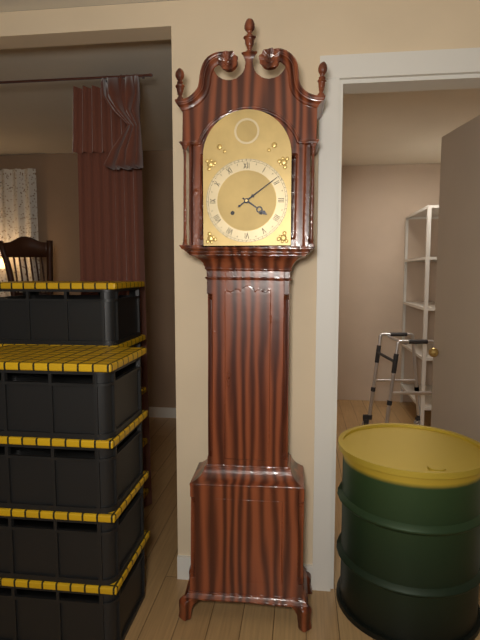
4:09
